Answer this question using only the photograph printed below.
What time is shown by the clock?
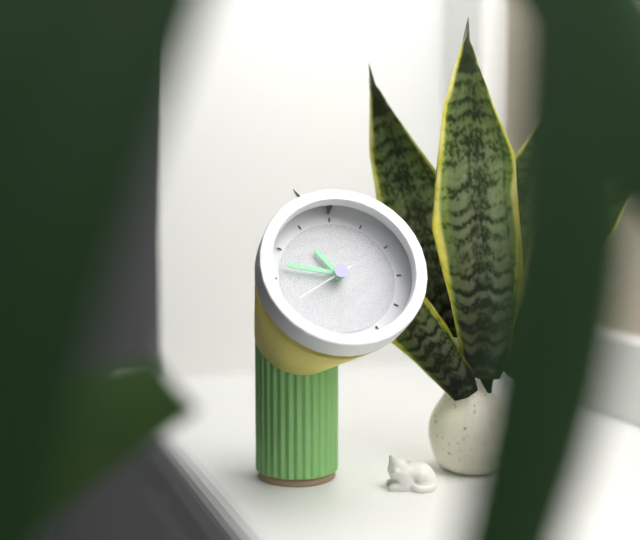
10:47:40
